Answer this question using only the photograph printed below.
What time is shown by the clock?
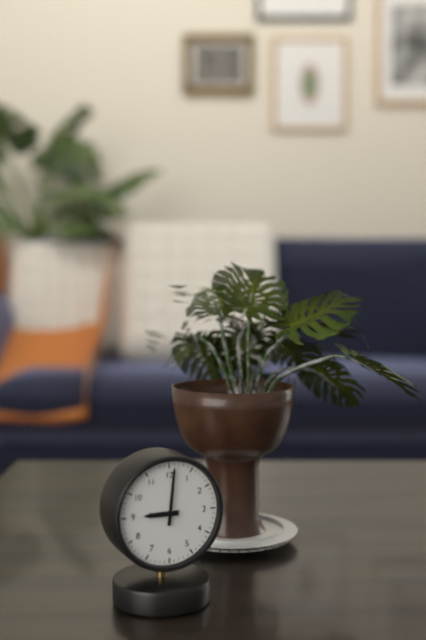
9:01
